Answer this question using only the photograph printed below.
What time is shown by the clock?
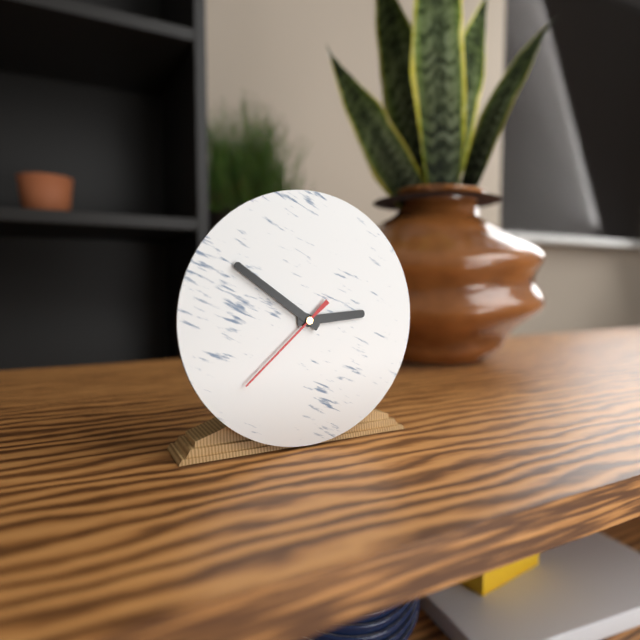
2:51:38
